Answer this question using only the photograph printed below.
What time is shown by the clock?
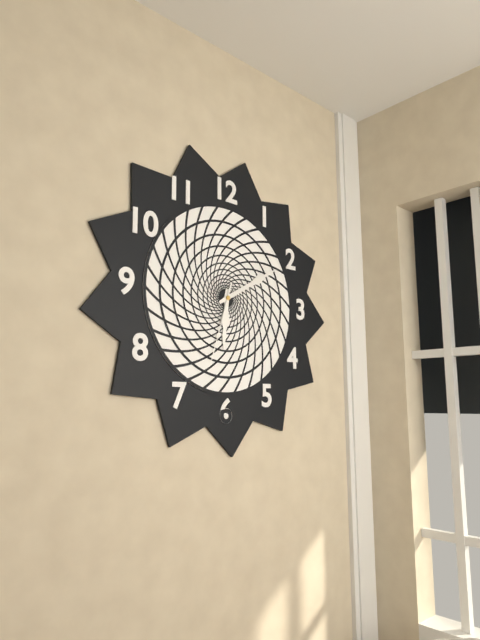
6:10:33
